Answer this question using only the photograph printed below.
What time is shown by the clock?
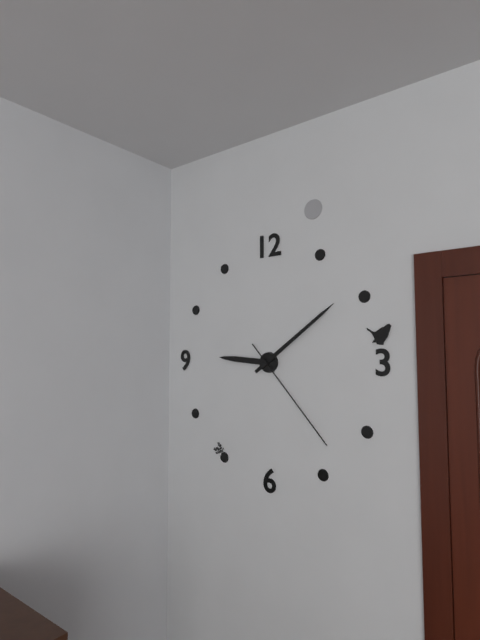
9:09:23
